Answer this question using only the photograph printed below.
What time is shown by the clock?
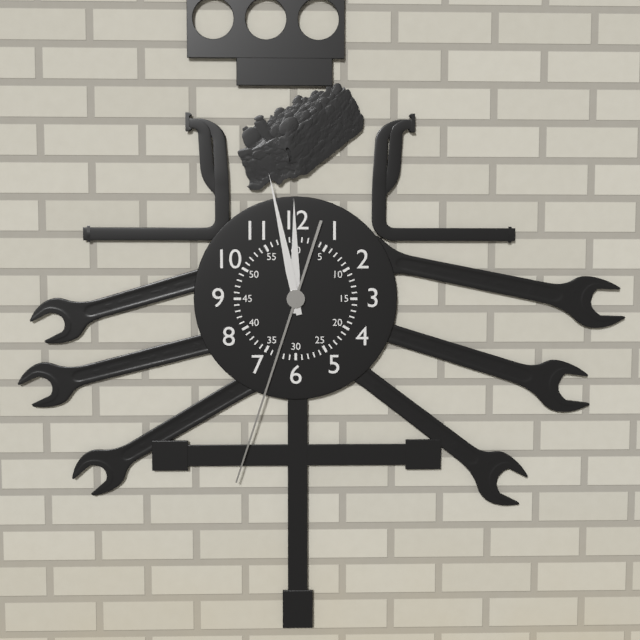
11:58:33
